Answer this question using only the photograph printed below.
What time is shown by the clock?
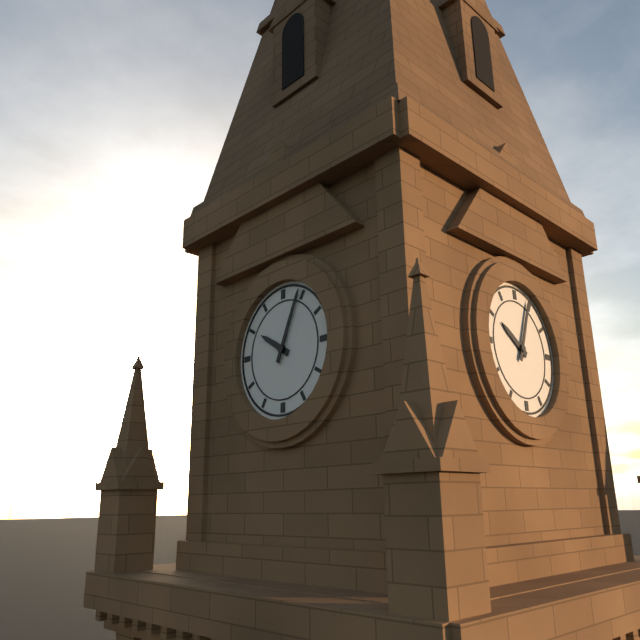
10:04
